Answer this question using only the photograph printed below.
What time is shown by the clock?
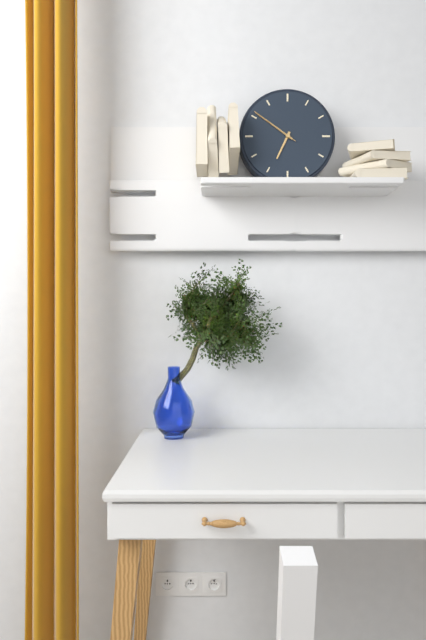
6:51:51
